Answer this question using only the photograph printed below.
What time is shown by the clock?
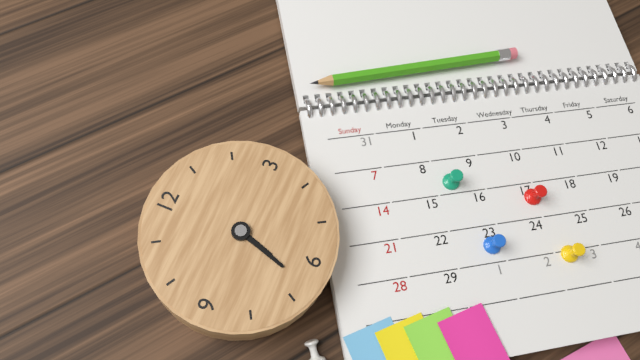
6:33
